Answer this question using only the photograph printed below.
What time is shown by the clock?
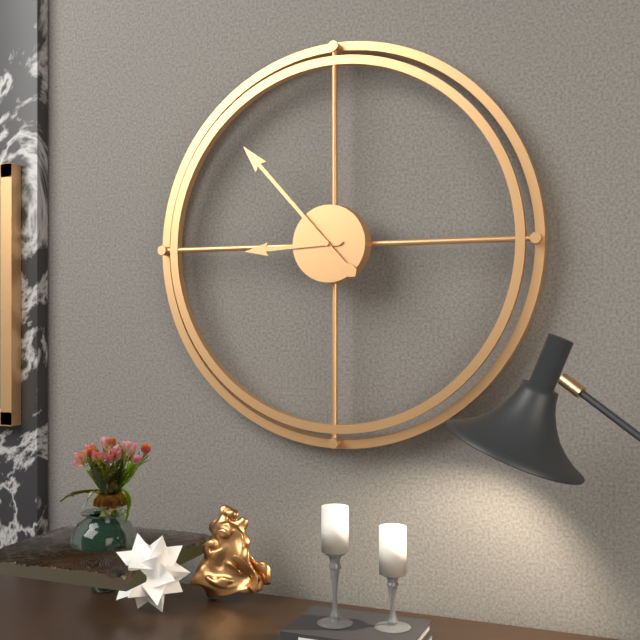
8:53
